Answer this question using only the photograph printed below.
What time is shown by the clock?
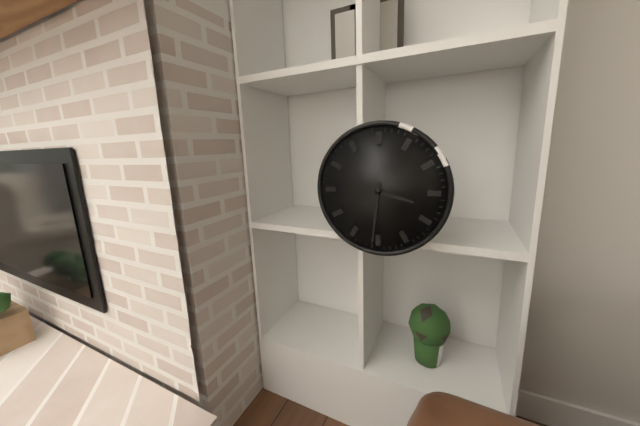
3:31
